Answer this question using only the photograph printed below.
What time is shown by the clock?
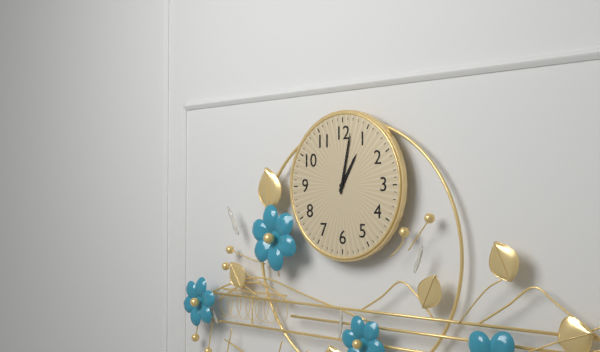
1:02
